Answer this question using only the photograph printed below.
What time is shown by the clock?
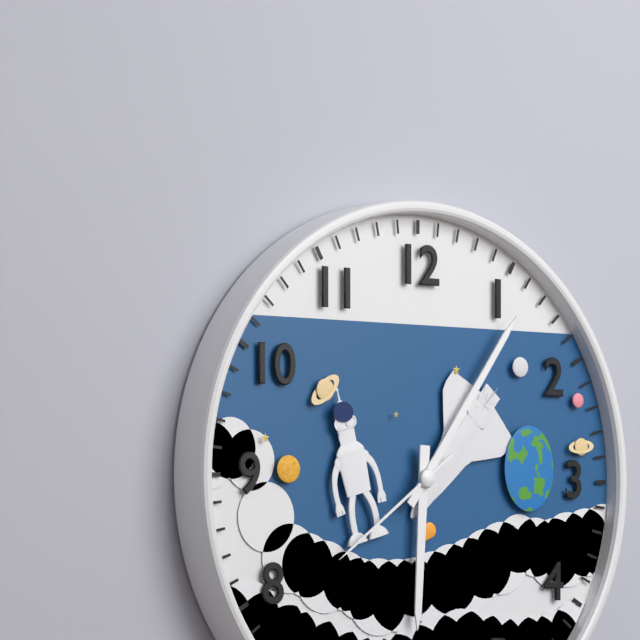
6:06:39
